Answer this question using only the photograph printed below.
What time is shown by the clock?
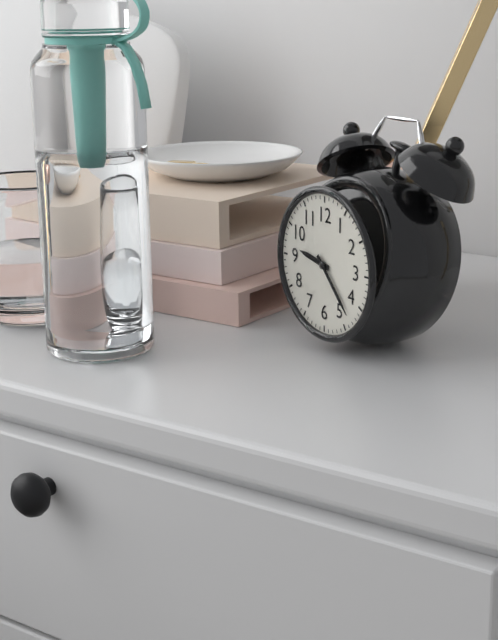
9:23
